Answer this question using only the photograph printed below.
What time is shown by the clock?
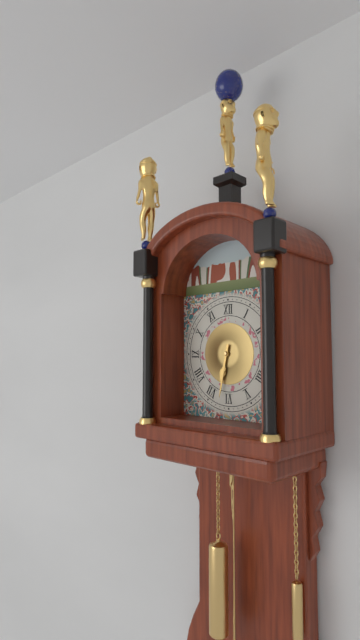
6:32
